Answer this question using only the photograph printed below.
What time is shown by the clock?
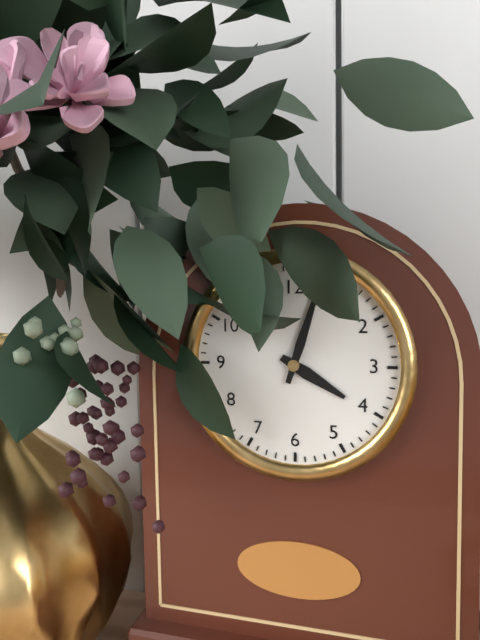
4:03
